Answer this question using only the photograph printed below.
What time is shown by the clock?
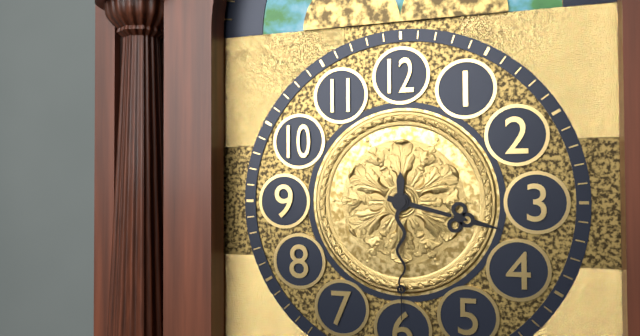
3:30
